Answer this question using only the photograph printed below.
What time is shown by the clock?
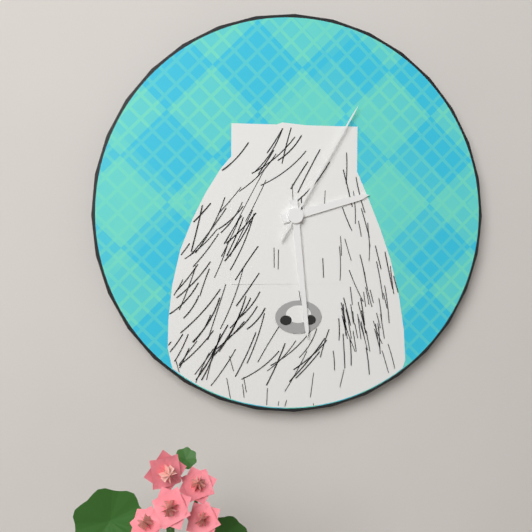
2:29:05
